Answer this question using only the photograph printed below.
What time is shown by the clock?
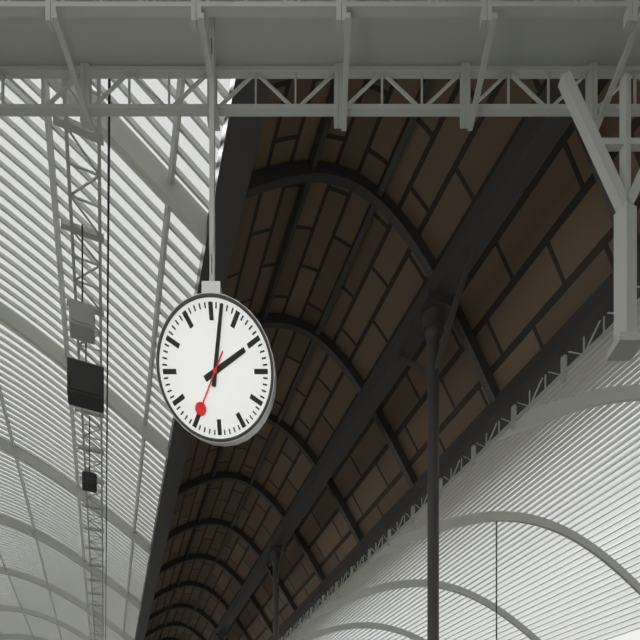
2:02:35
